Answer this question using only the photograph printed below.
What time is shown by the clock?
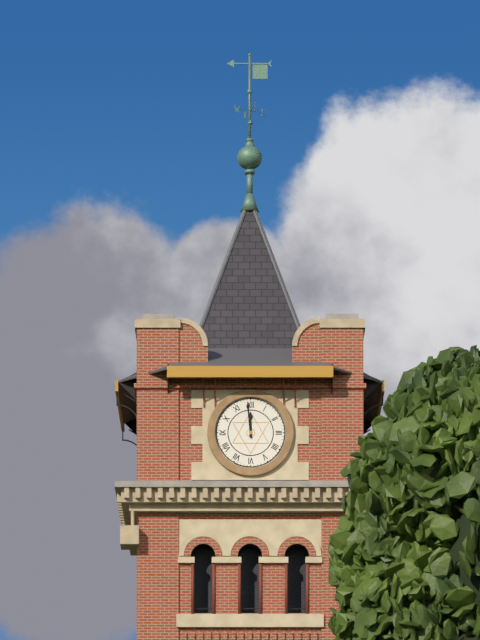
11:59
